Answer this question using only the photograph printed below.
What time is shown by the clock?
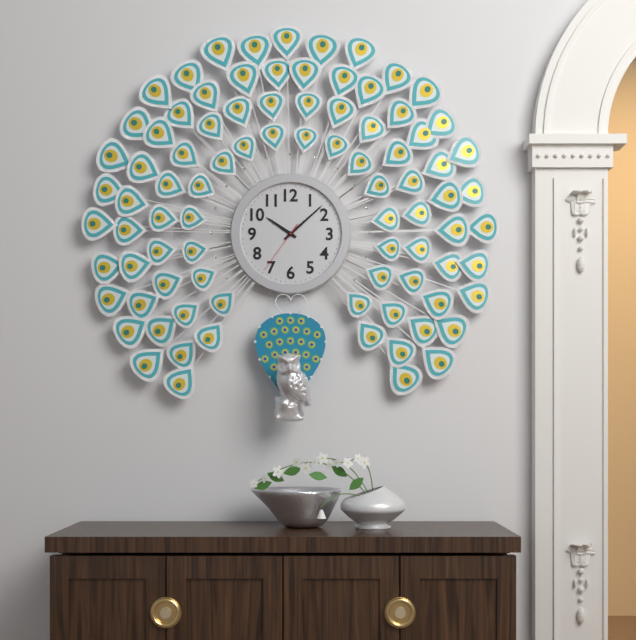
10:08:36
